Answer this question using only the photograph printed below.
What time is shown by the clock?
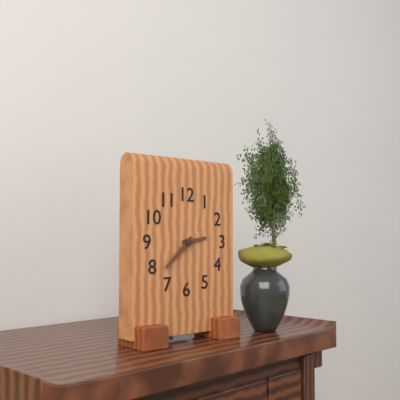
2:38
